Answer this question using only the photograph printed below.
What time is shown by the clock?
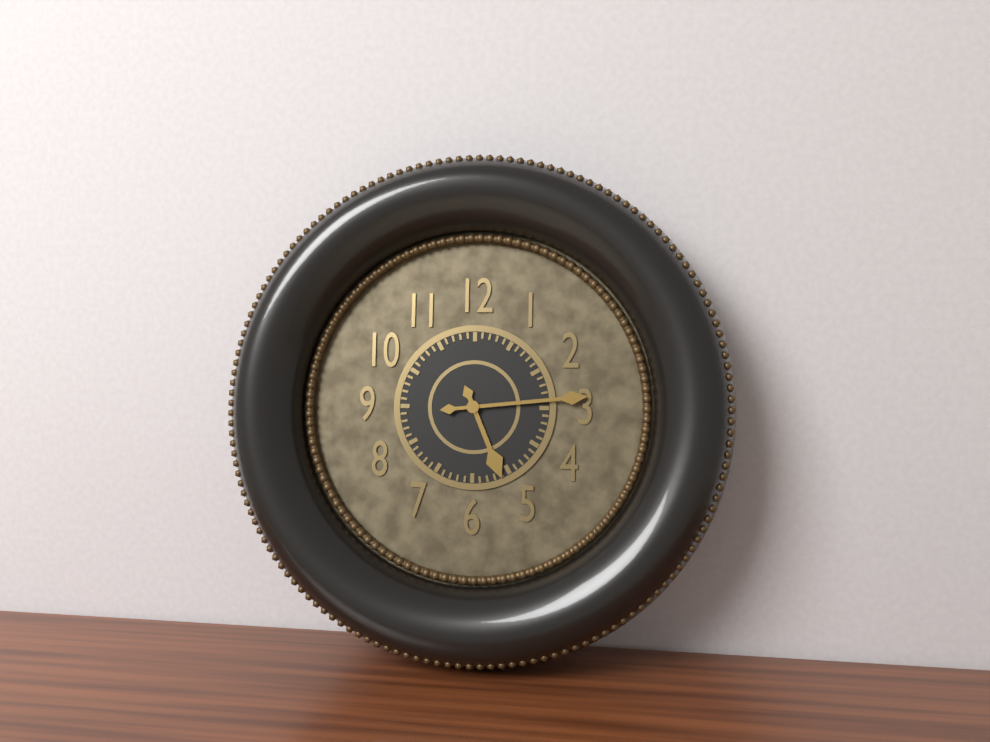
5:14
